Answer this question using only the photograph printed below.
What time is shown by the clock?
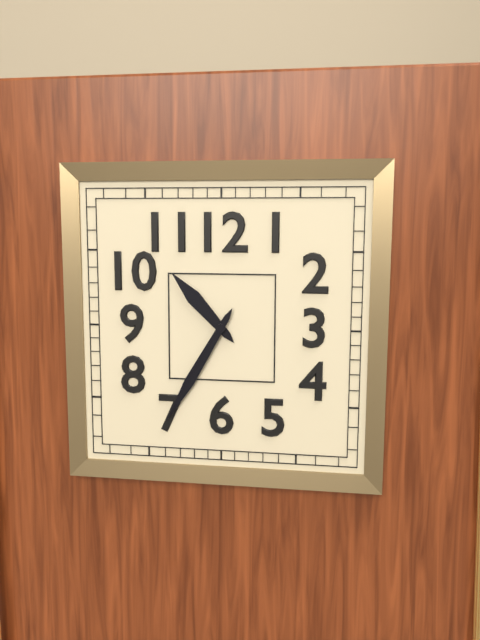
10:35
